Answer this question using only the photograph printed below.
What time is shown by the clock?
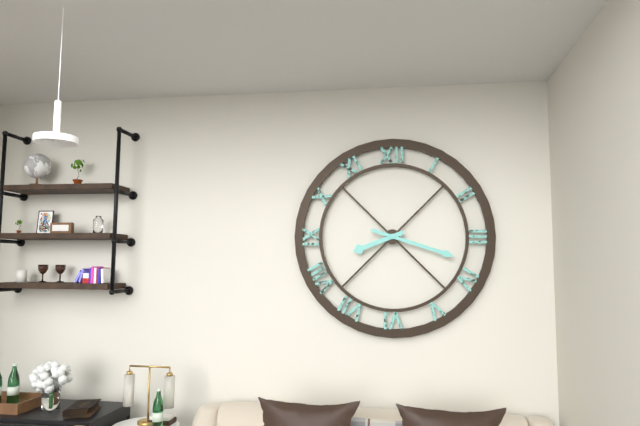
8:18
